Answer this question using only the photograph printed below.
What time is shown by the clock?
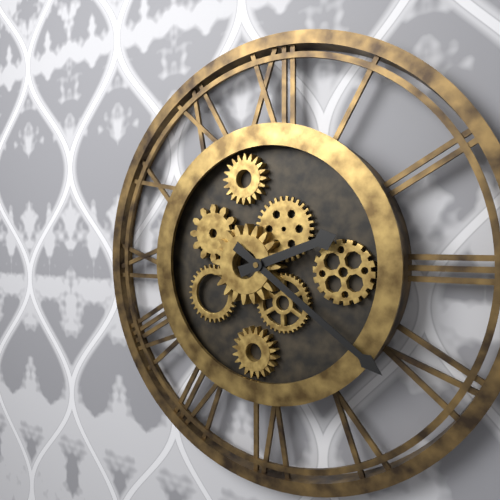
2:21
